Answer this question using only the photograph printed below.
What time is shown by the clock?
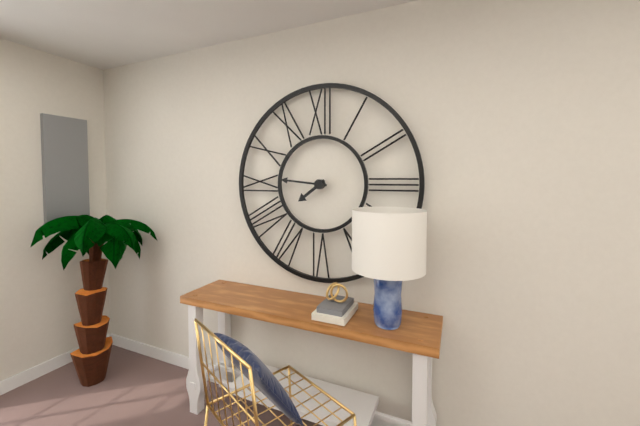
7:46
